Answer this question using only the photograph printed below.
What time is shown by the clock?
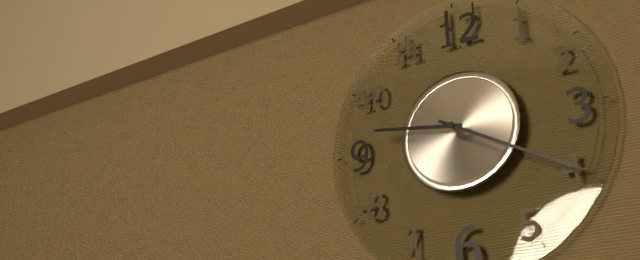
9:20
